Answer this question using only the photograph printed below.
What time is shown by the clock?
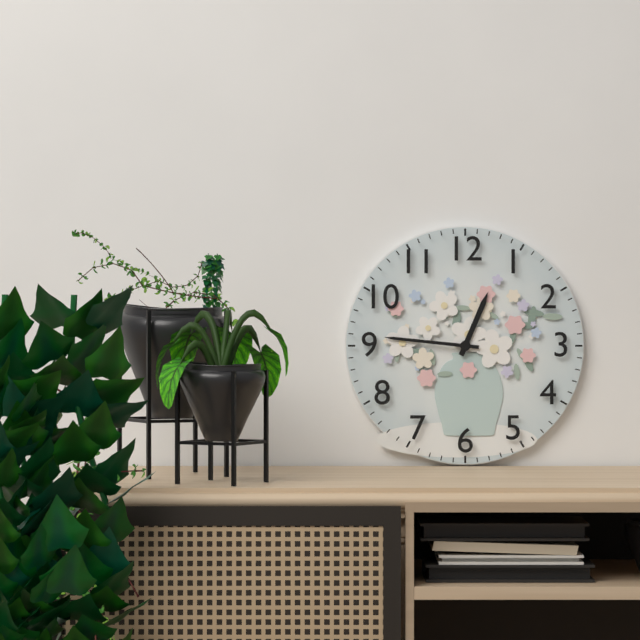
12:46
